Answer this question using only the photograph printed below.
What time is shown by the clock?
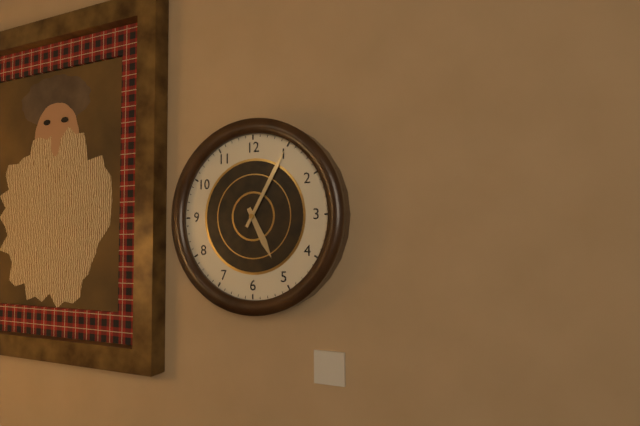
5:05
